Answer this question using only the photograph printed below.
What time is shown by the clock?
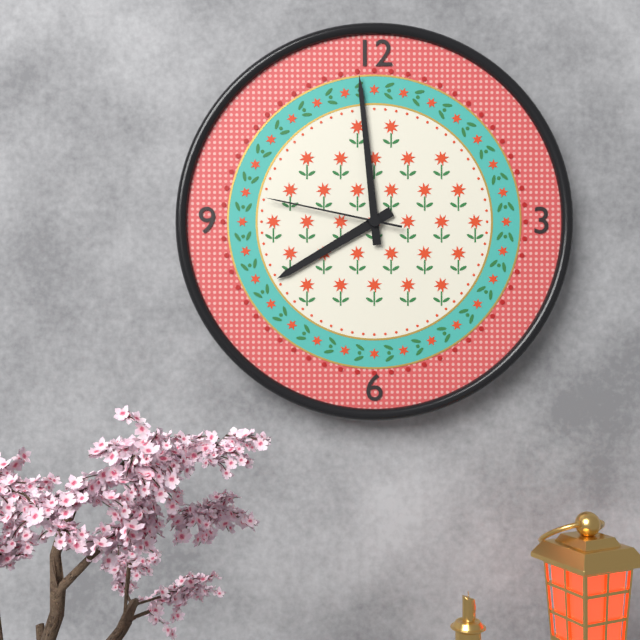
7:59:47
